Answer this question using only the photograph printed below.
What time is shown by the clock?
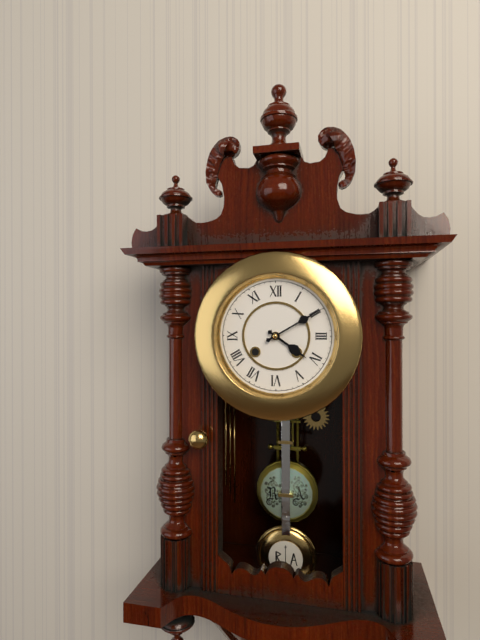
4:10
